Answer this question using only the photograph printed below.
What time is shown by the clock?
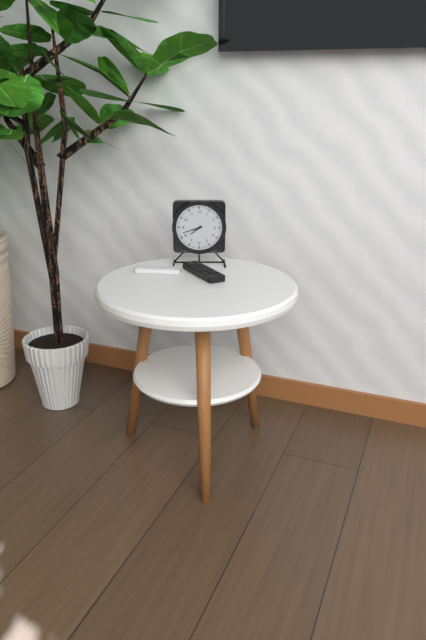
7:42
